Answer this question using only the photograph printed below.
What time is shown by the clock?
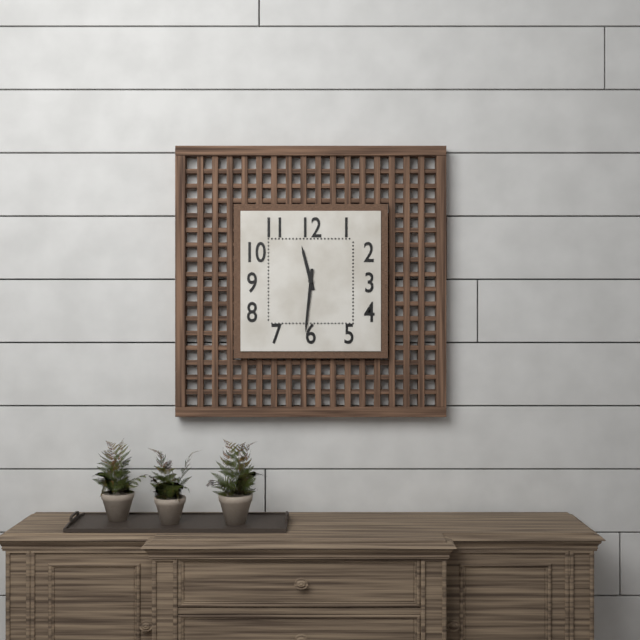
11:31
